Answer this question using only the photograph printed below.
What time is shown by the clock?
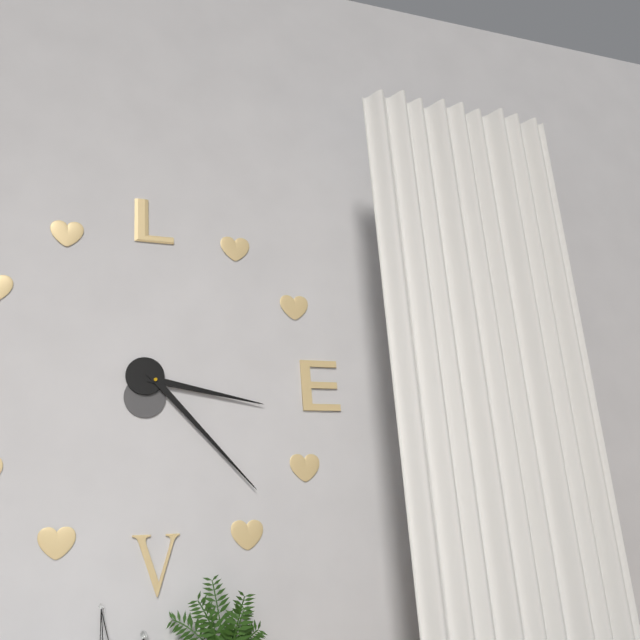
3:23
